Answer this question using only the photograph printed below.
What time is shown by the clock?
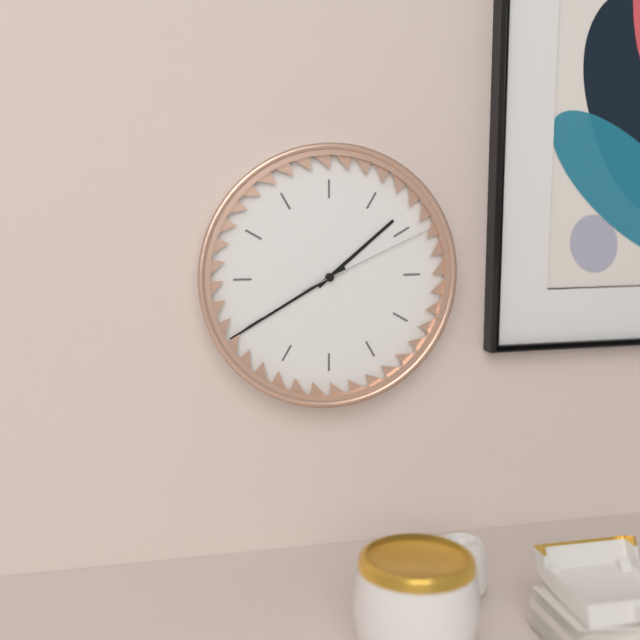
1:40:11
